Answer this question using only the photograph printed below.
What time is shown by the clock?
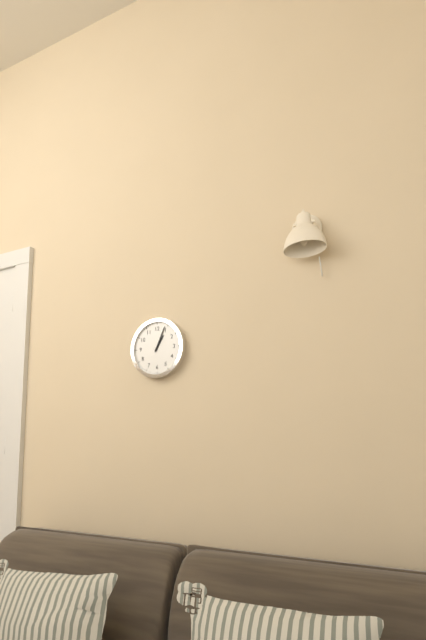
1:04
